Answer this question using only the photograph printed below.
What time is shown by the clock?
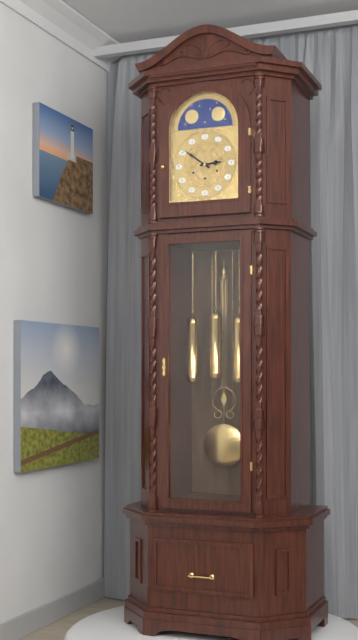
2:51
